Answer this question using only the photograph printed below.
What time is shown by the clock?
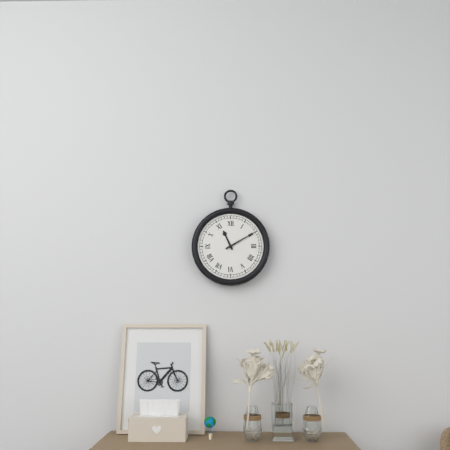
11:10
